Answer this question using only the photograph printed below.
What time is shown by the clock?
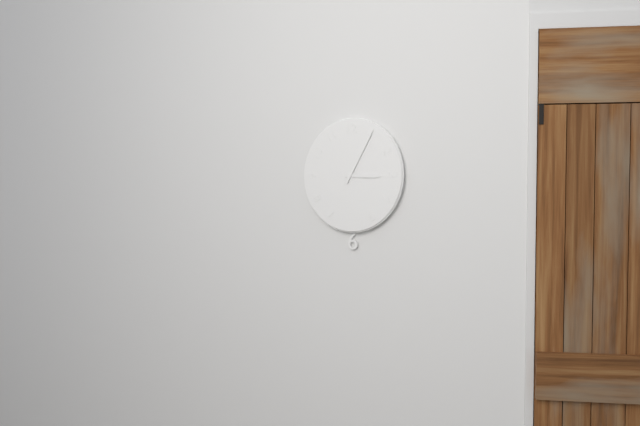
3:05
